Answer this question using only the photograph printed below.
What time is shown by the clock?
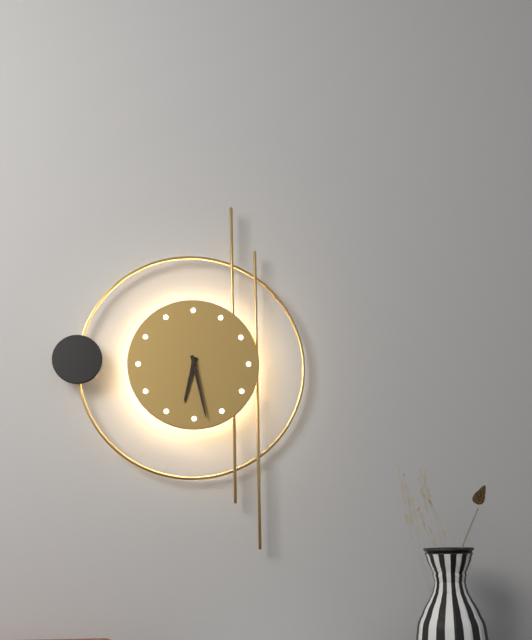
6:28
